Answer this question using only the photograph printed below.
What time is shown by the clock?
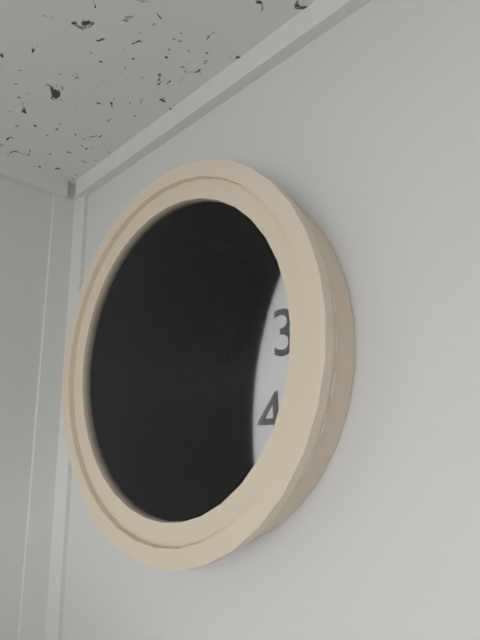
4:57:26
